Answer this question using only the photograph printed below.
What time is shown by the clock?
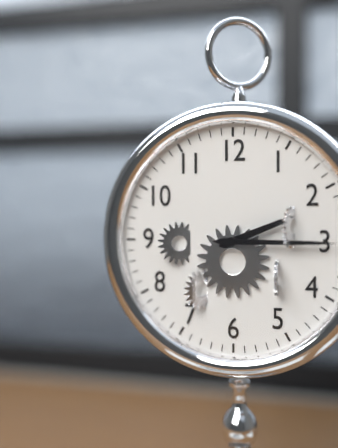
2:15
